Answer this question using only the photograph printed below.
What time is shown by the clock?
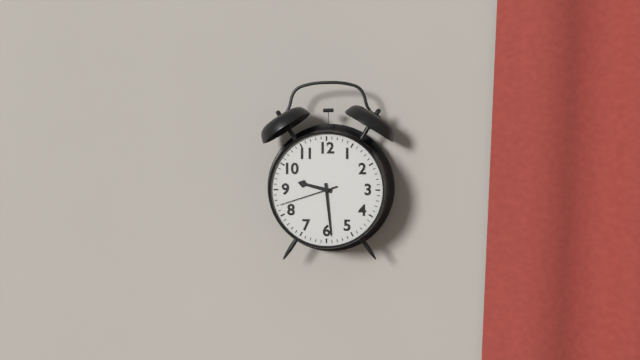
9:29:42
